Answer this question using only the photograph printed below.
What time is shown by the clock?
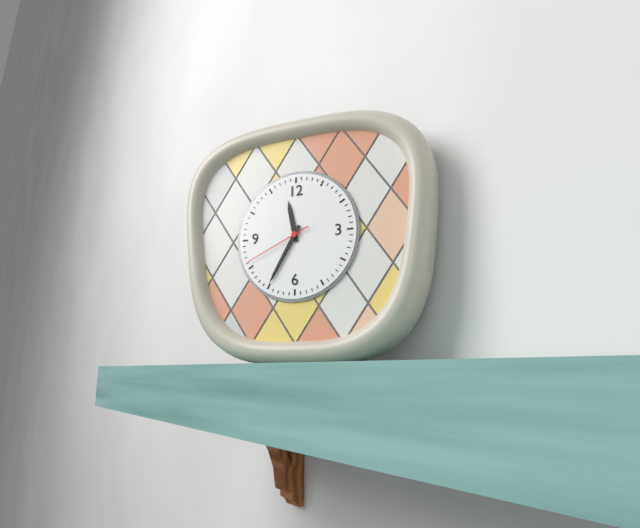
11:35:41
